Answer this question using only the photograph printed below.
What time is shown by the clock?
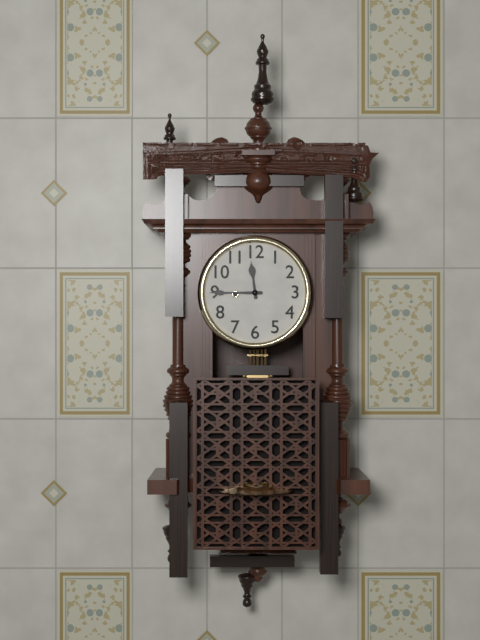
11:45
